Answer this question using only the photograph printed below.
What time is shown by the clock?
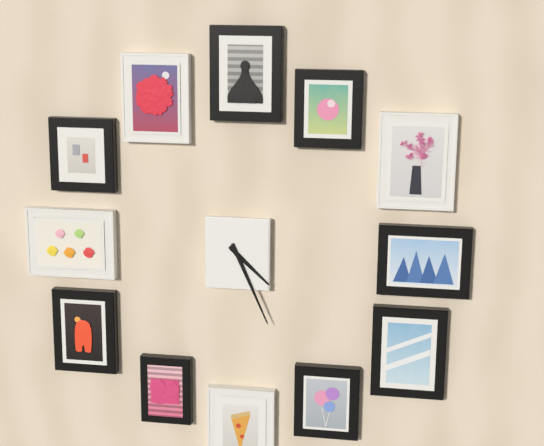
4:26
